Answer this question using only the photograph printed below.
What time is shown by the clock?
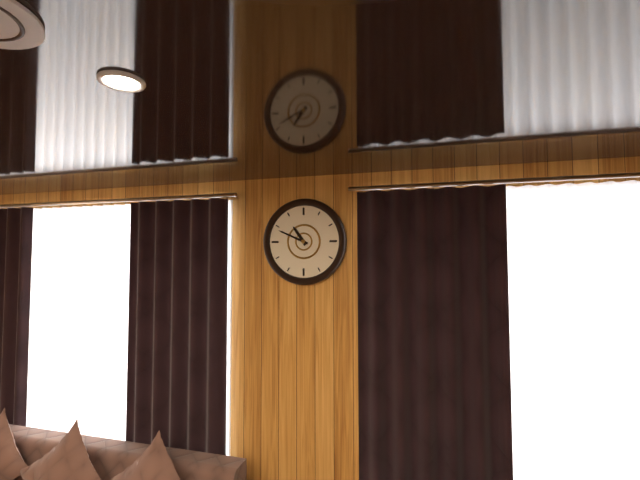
10:49
